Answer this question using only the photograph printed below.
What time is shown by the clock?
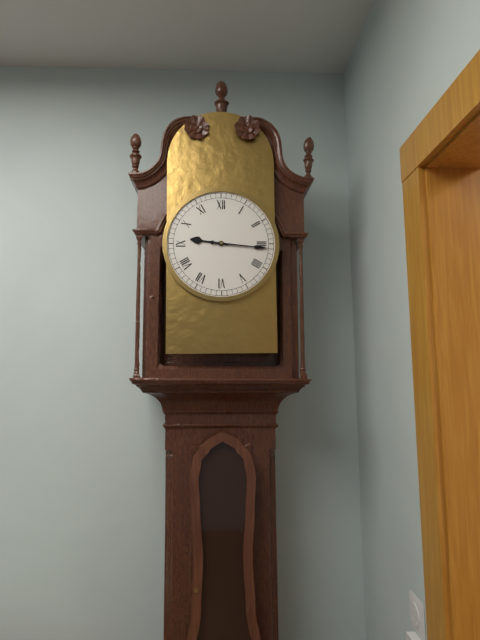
9:16
